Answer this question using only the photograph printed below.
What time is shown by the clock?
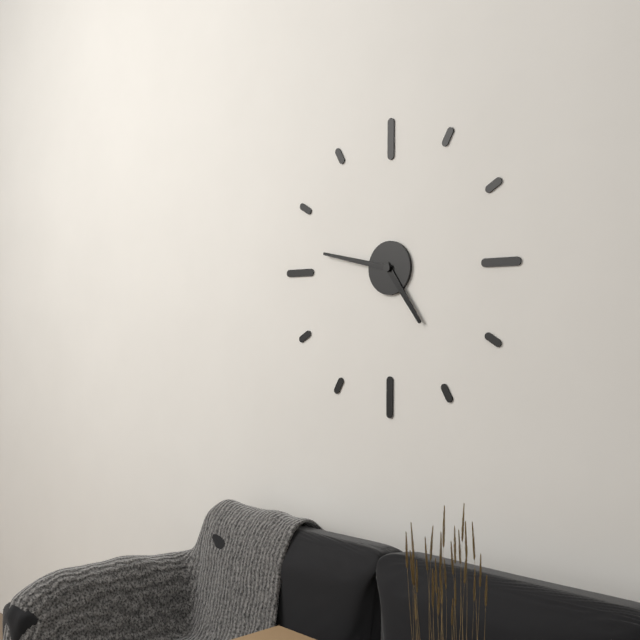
4:47
